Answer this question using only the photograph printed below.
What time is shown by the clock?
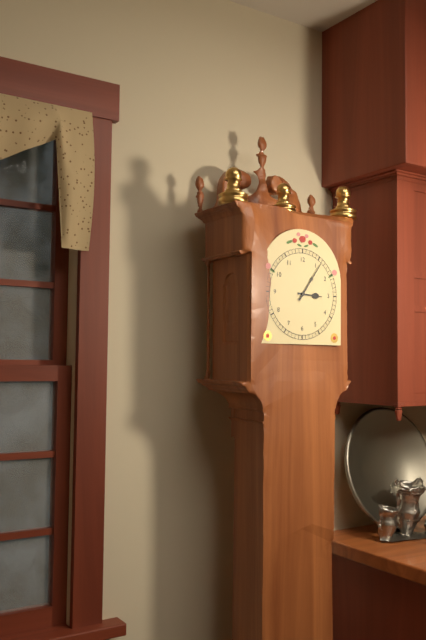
3:06
